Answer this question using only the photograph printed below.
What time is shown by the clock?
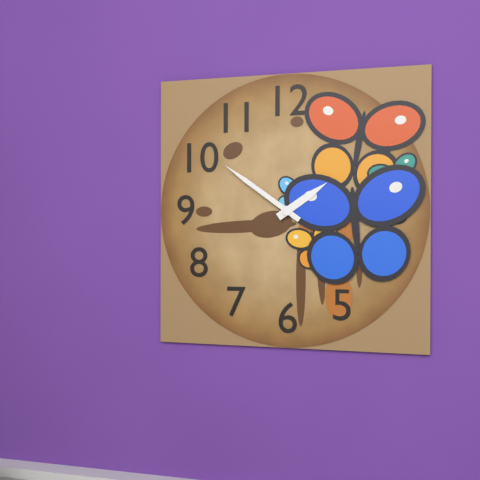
1:51
